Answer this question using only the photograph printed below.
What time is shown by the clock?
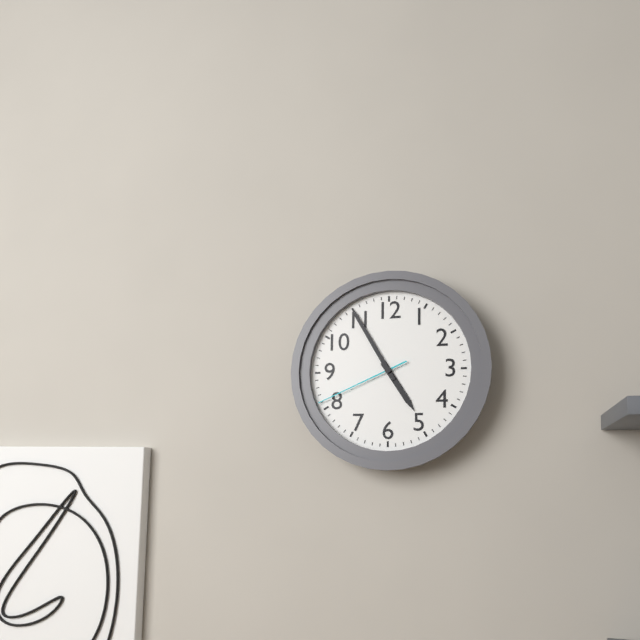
4:55:41
